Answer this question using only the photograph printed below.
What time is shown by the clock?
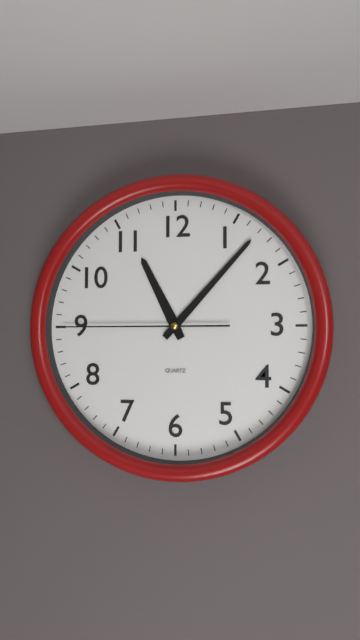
11:07:45
